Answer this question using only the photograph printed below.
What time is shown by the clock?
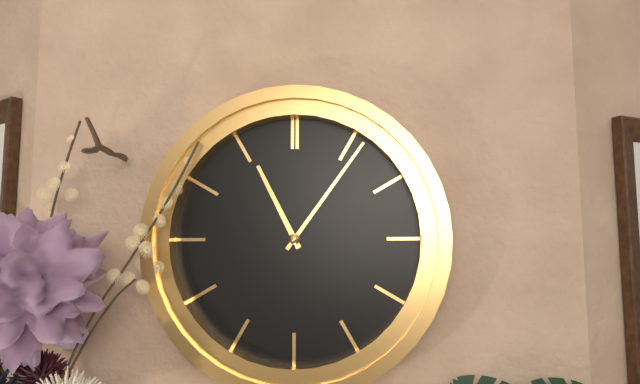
11:06
